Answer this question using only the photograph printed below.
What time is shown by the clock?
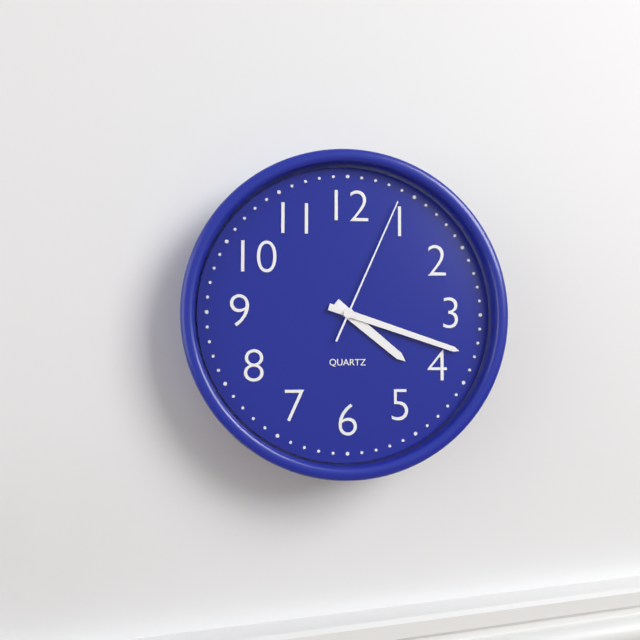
4:18:04
